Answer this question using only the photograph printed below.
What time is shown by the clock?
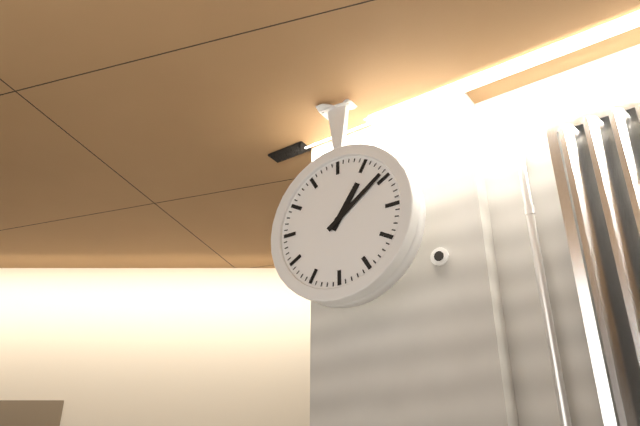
1:09
